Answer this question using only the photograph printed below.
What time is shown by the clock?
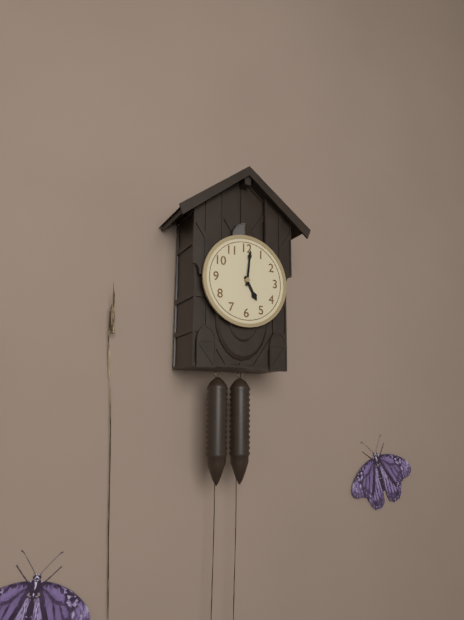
5:01
